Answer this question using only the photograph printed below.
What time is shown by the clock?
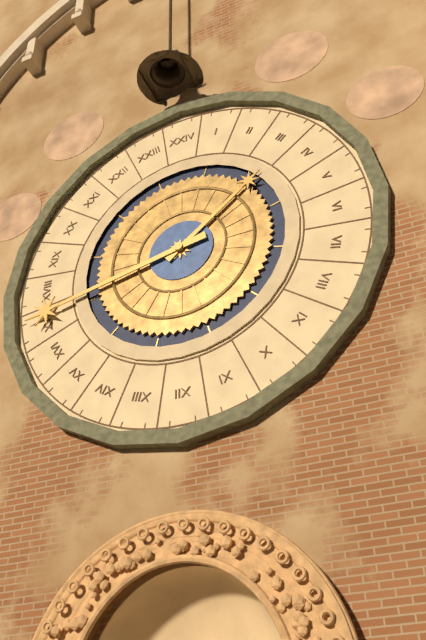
1:43
